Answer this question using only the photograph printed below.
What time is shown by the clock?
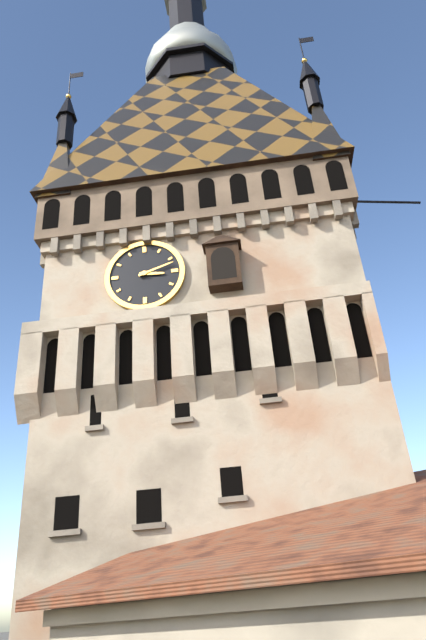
3:12
